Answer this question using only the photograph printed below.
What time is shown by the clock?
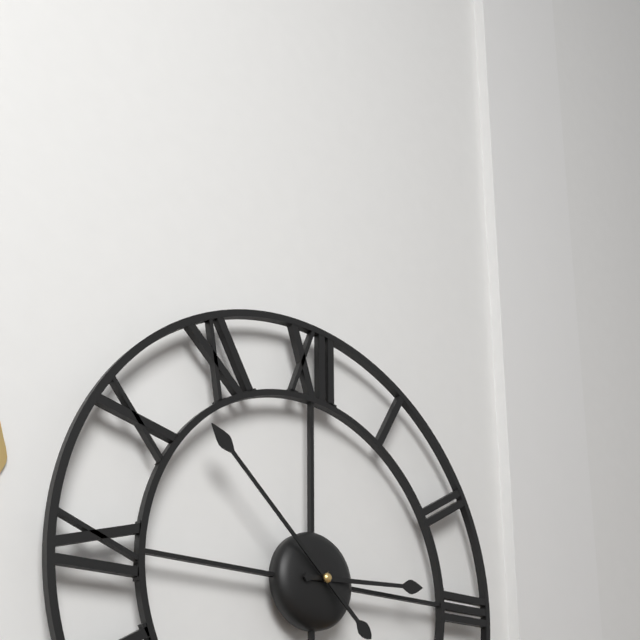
2:52
